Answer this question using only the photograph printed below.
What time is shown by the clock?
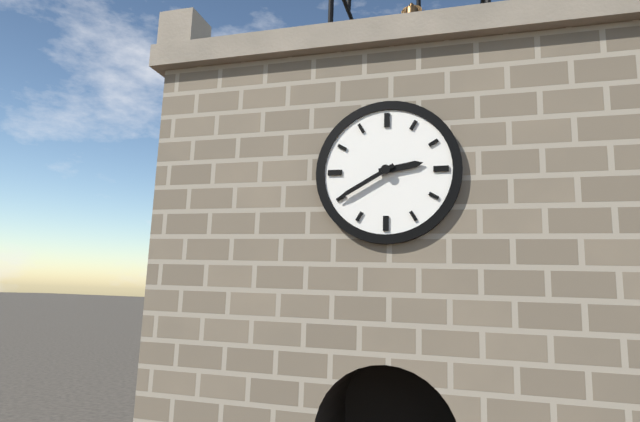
2:40
